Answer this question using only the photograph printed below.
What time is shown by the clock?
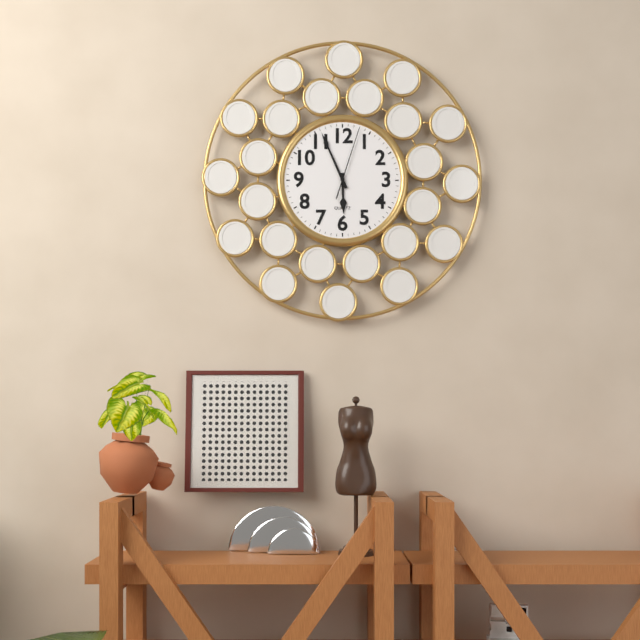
5:56:03
